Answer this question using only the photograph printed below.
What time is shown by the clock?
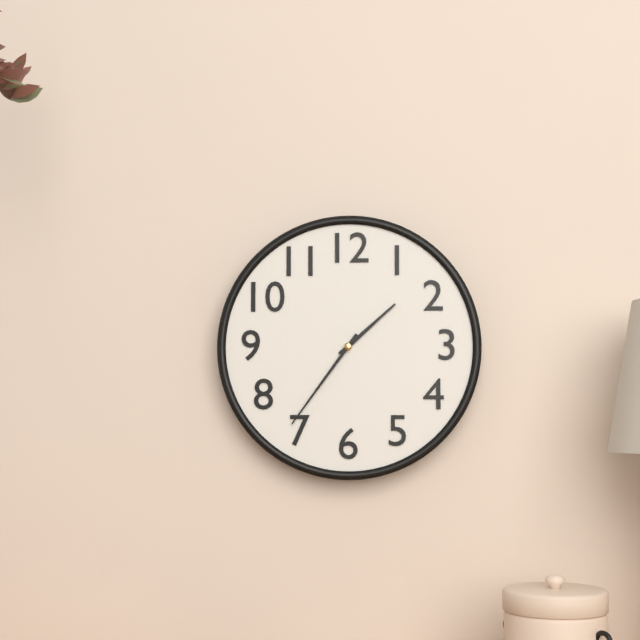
1:36
